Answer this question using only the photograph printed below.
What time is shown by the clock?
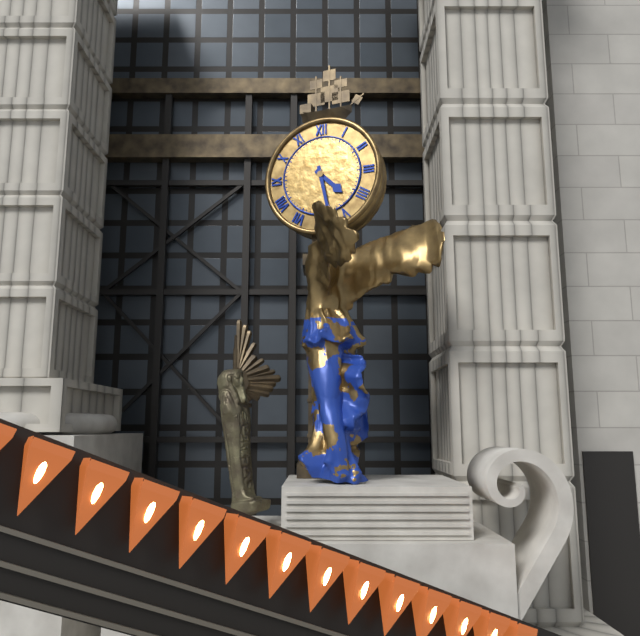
4:28
